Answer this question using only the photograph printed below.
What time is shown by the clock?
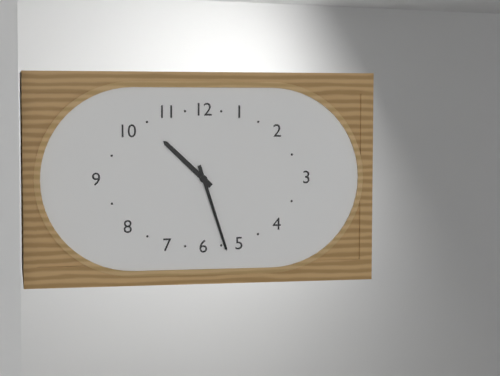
10:27
